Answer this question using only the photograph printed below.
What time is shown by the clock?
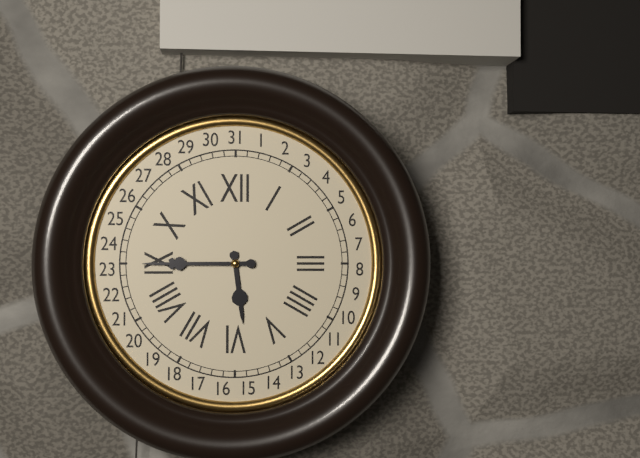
5:45
